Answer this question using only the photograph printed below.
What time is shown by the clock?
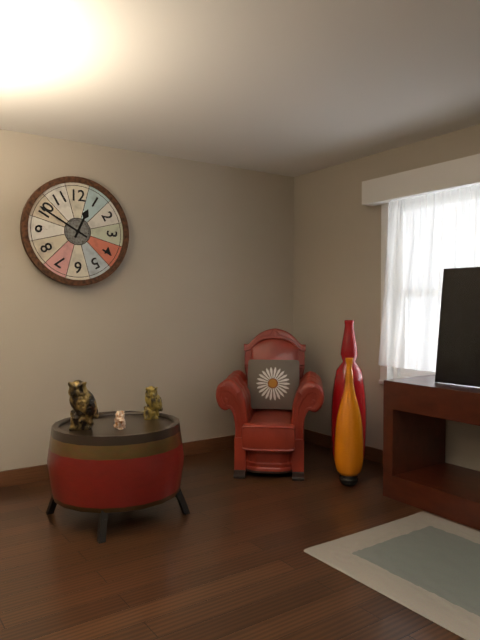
12:50
